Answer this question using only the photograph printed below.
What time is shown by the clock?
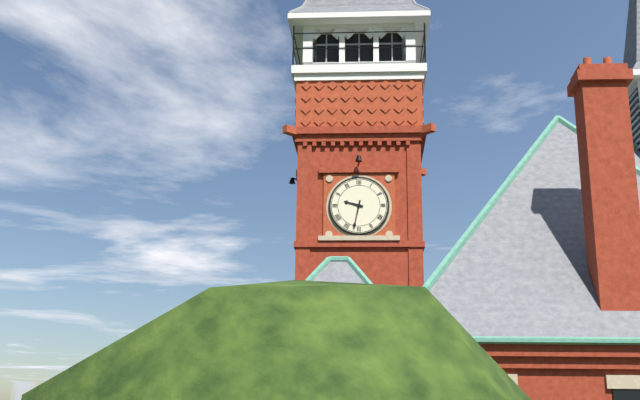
9:32
